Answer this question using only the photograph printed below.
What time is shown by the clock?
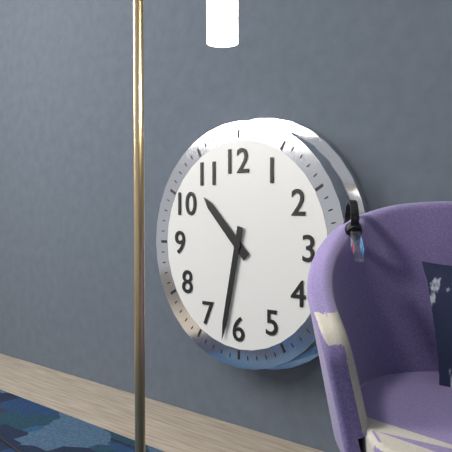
10:32
